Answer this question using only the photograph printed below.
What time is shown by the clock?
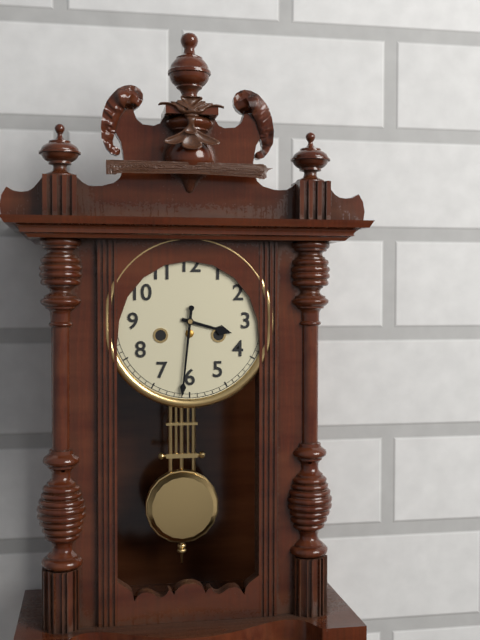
3:31
